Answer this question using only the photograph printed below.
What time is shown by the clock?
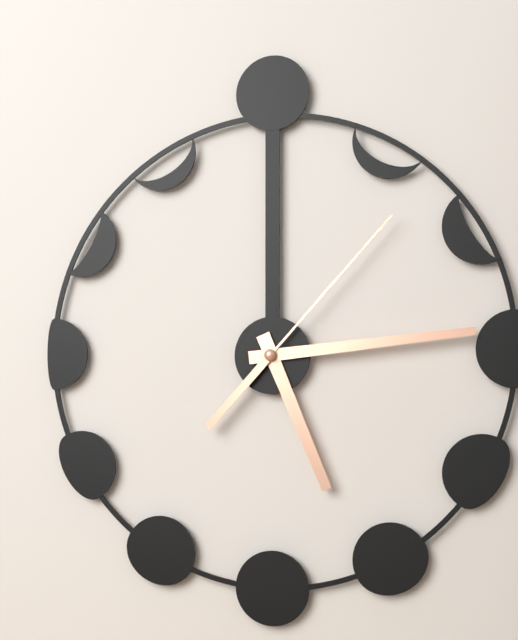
5:14:07
